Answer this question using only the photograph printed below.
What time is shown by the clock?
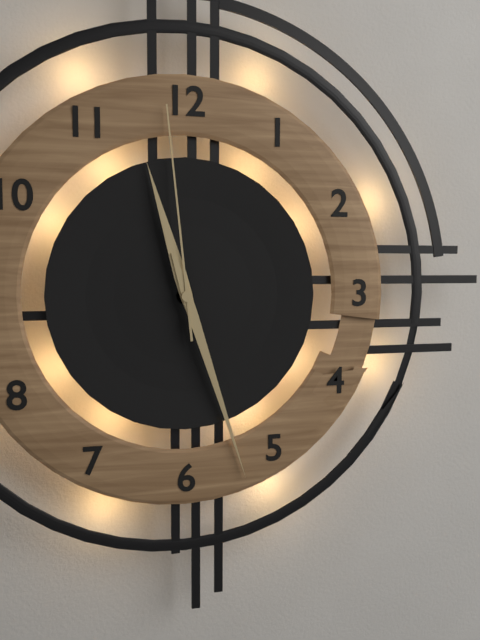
11:27:59
